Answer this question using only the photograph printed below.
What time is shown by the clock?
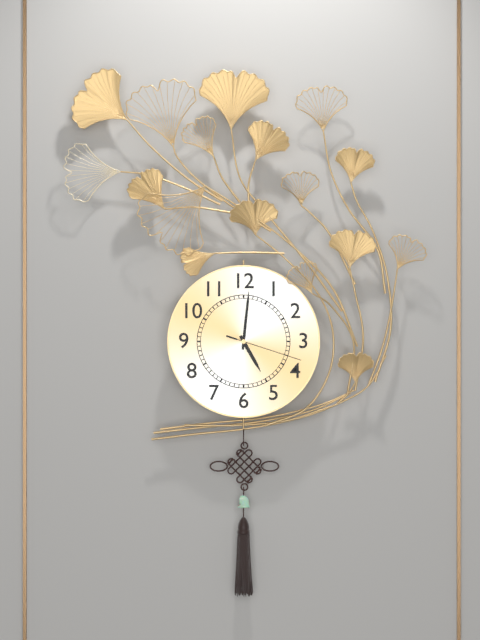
5:01:18
